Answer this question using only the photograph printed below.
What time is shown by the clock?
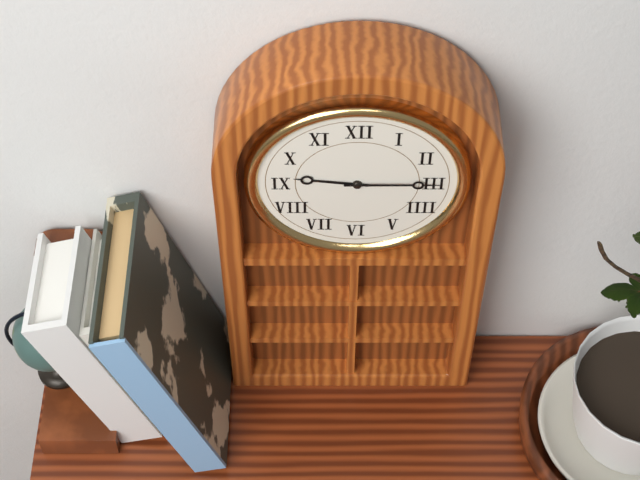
9:15
